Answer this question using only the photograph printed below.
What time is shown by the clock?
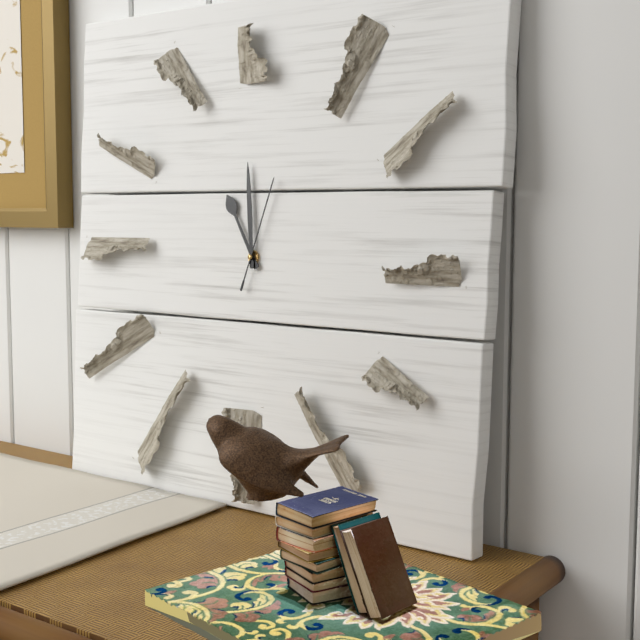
10:59:03
